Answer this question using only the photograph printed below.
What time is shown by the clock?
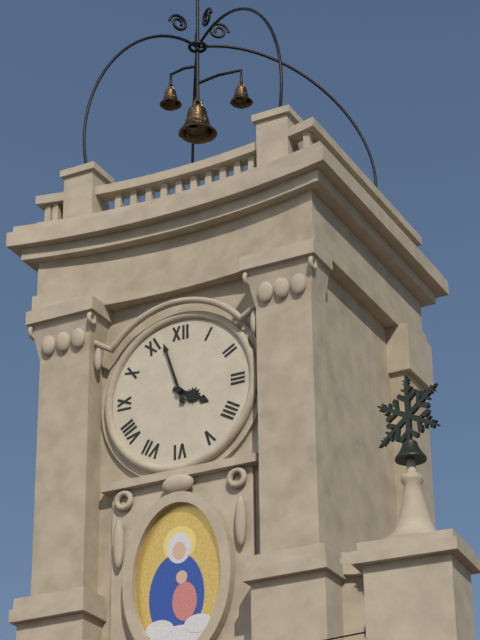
3:57
